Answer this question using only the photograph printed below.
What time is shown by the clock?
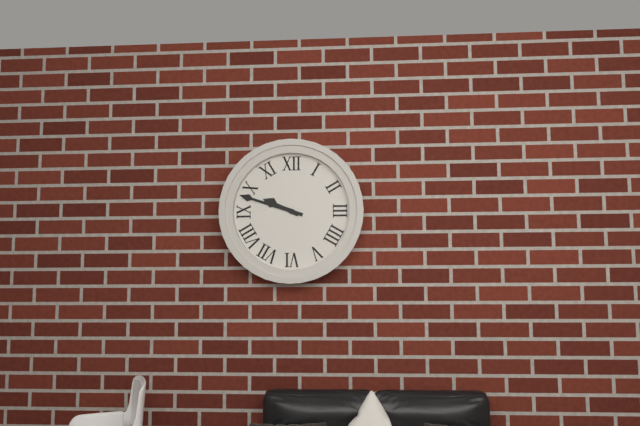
9:48
